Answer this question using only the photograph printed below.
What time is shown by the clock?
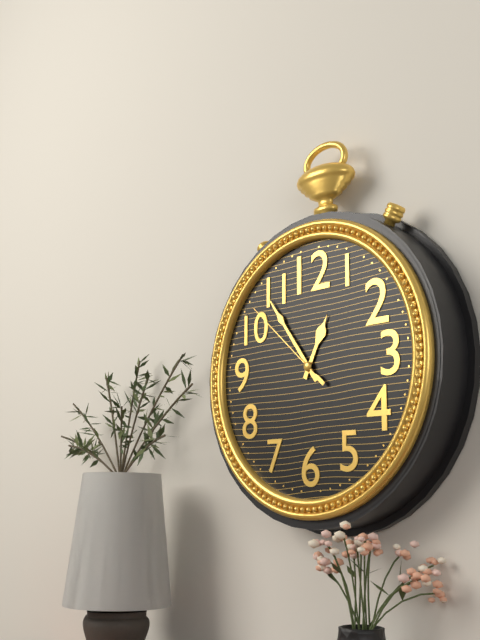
12:54:52
